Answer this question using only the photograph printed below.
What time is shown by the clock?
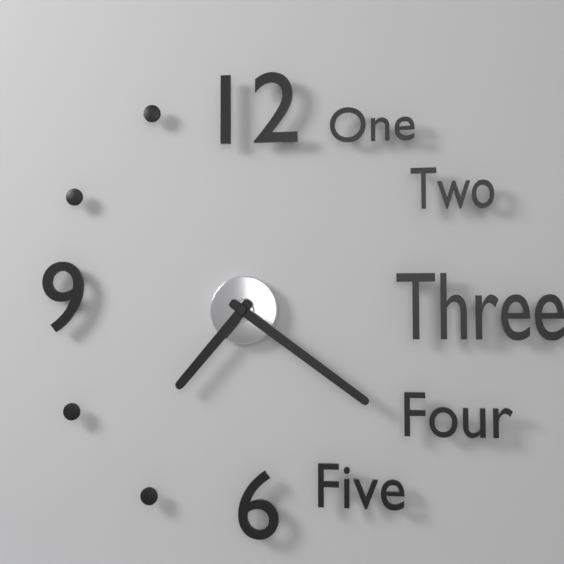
7:21
